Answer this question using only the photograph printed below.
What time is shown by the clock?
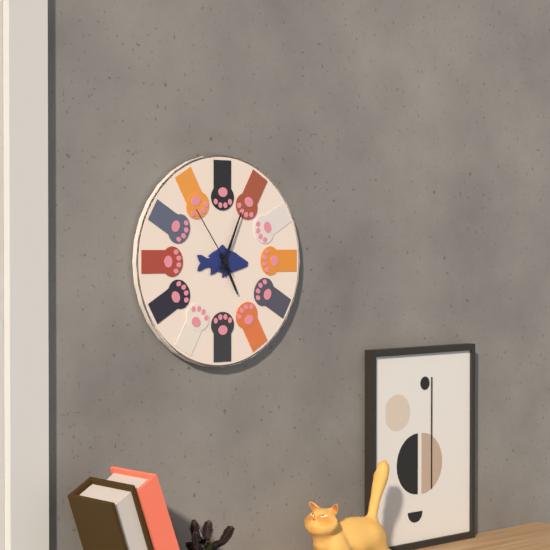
5:04:54
